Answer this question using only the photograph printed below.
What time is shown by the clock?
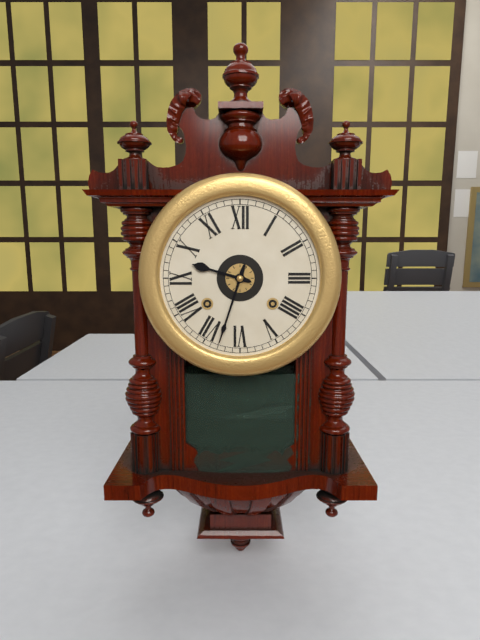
9:33
